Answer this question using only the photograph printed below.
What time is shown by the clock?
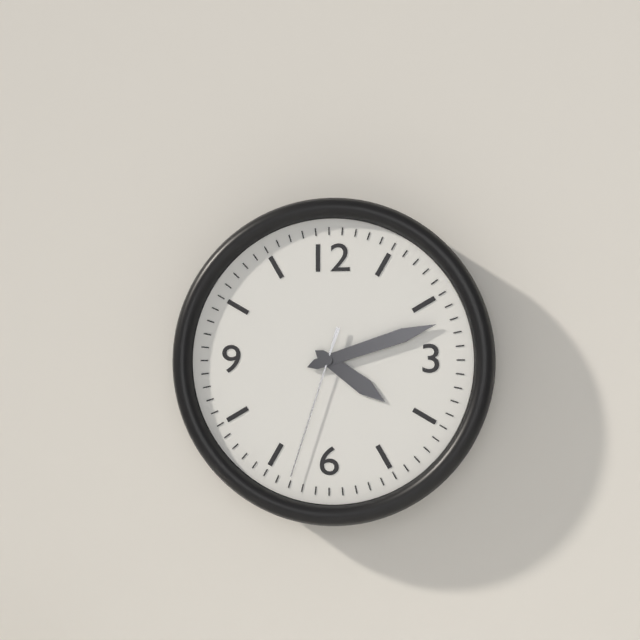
4:12:33
